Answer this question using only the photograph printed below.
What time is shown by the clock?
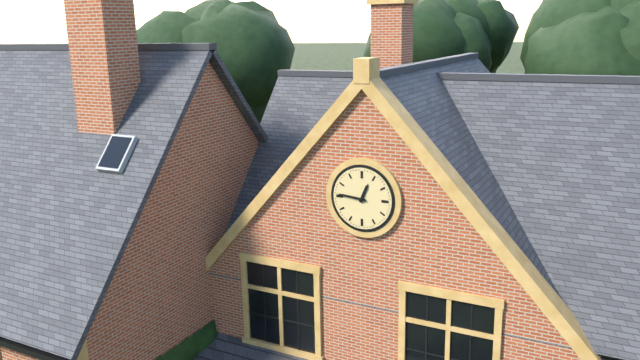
12:46
